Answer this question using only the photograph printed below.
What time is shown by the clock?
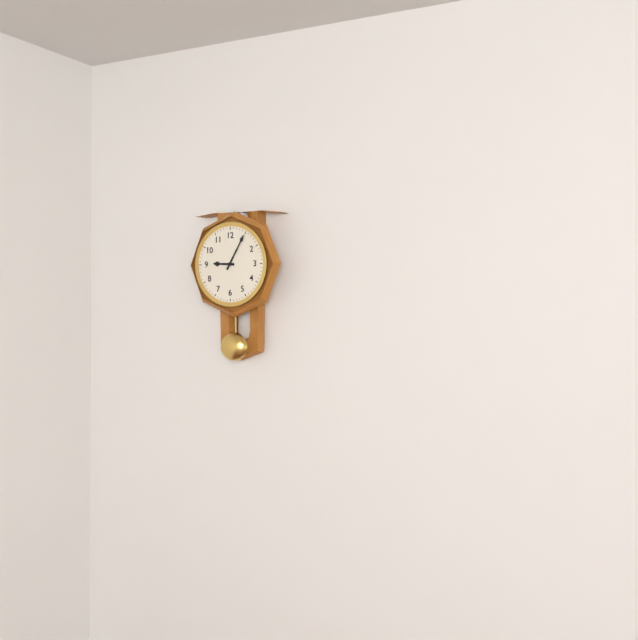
9:05
